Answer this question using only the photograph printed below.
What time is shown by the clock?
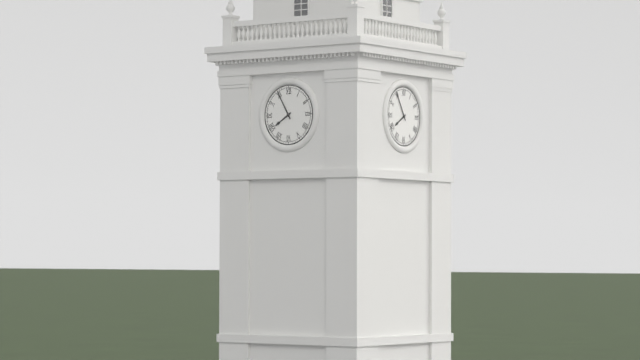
7:55
